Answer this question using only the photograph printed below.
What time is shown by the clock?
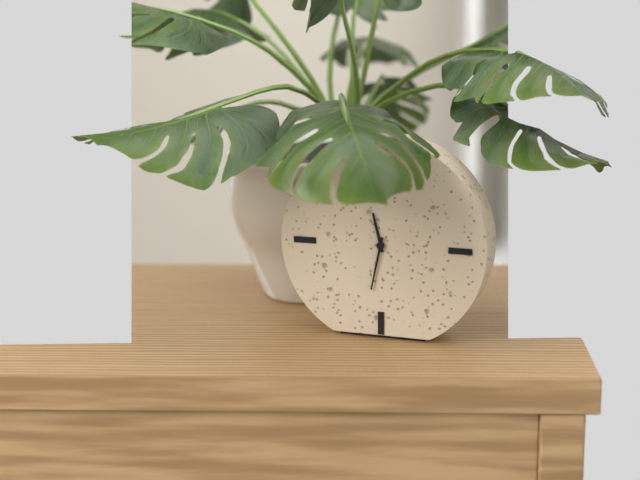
11:32
